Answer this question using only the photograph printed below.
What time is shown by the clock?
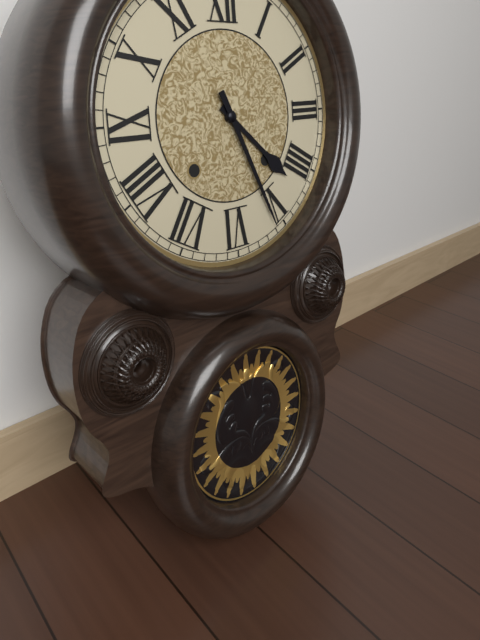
4:26
